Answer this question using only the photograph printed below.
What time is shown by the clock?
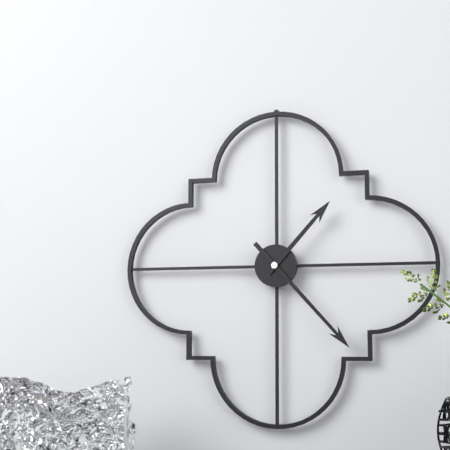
1:23
